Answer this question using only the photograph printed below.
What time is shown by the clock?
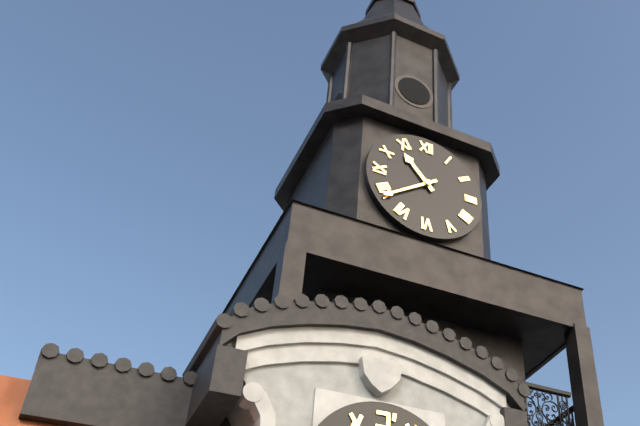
10:39
